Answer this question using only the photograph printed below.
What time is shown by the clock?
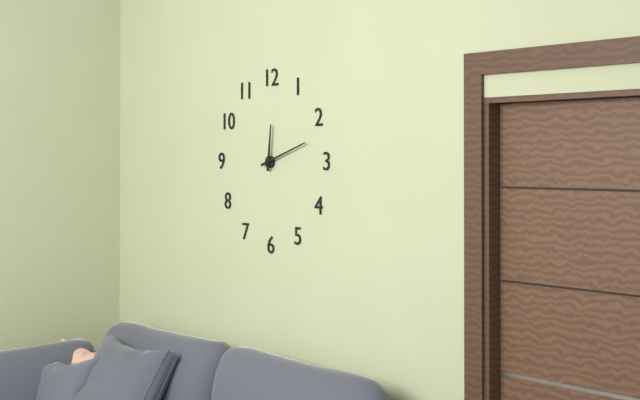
12:12
